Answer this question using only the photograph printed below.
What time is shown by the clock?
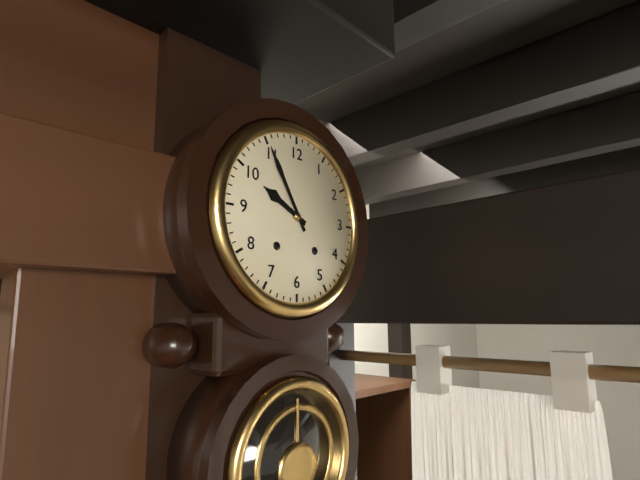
9:55
